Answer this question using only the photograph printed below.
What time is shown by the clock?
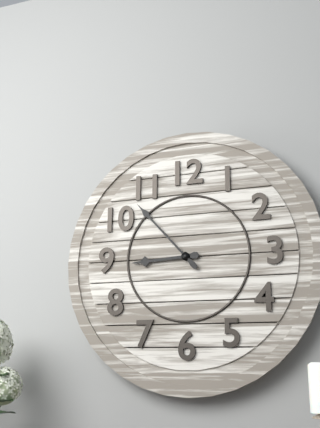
8:53
